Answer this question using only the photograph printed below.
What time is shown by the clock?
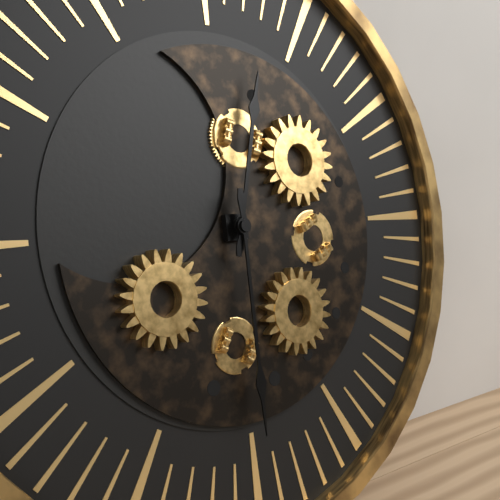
12:30
